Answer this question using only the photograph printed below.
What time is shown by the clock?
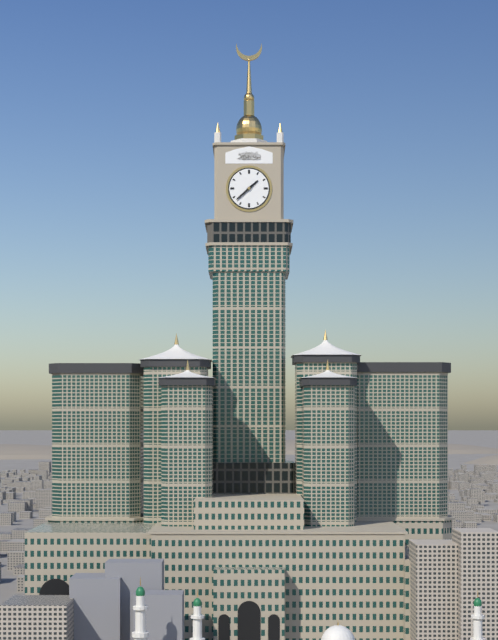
1:38
